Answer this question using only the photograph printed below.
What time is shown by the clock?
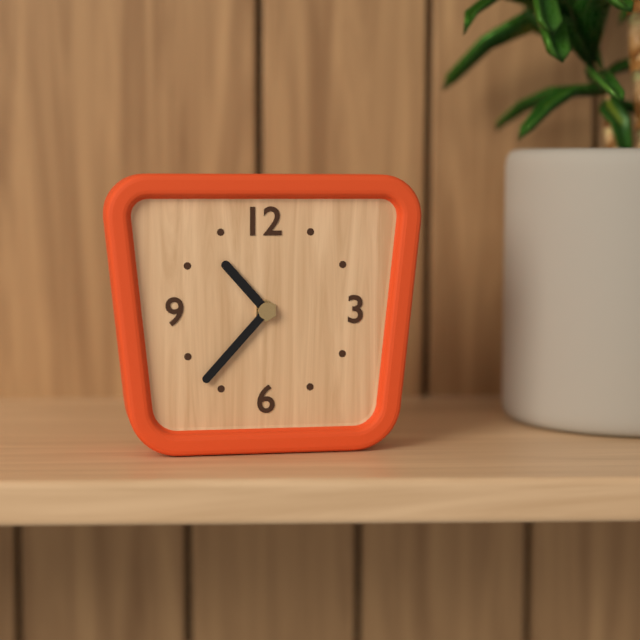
10:37
